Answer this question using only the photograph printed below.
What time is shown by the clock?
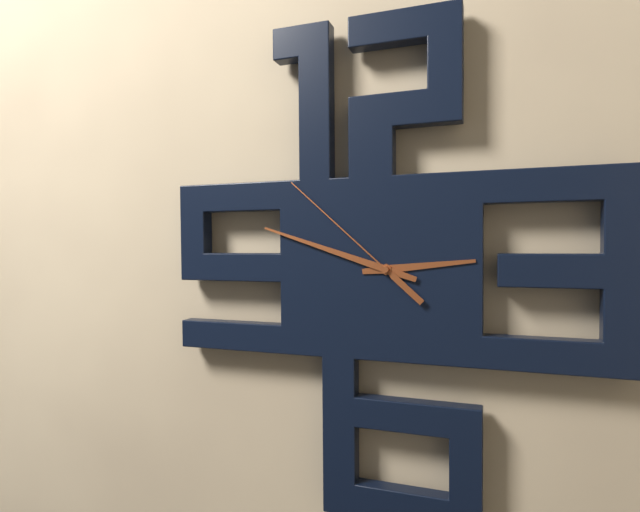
2:48:52
